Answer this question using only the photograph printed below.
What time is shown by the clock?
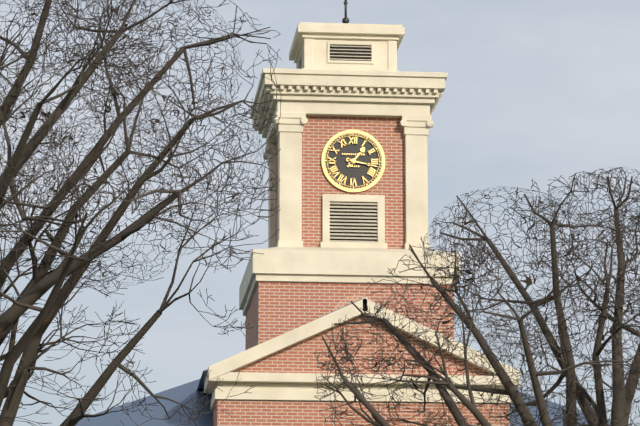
1:17
